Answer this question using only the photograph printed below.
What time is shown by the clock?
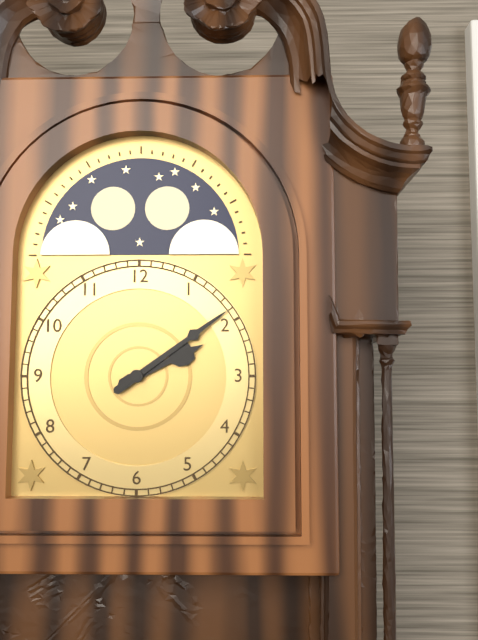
2:09
